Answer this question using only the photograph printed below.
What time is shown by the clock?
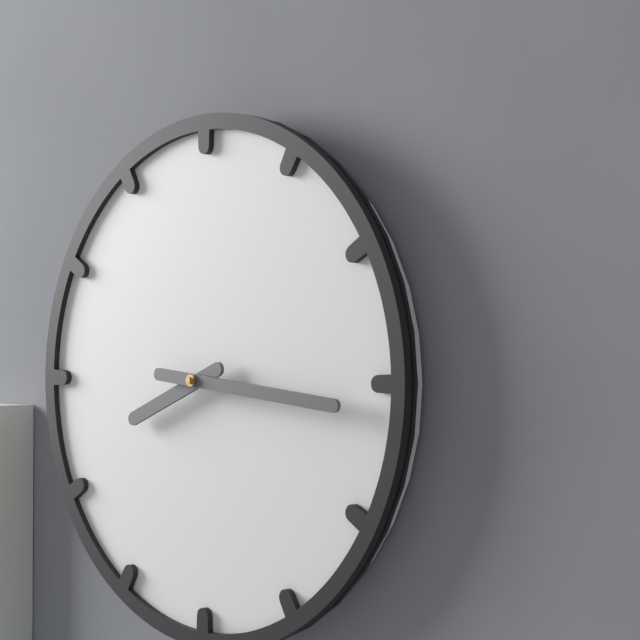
8:16
